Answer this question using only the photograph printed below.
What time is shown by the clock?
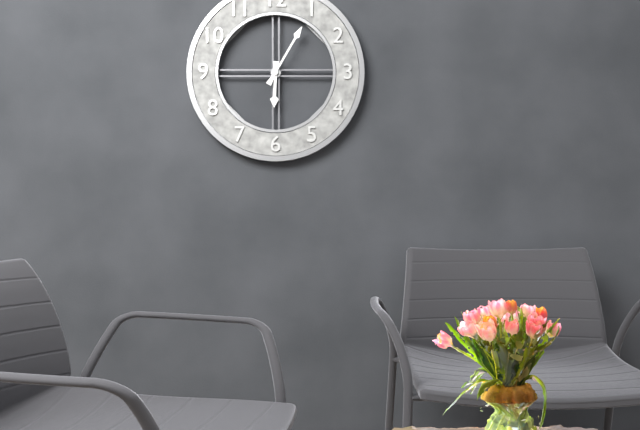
6:05
